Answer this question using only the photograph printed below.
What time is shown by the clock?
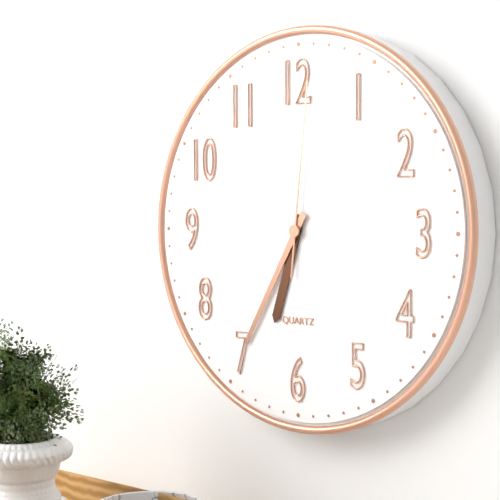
6:35:01
